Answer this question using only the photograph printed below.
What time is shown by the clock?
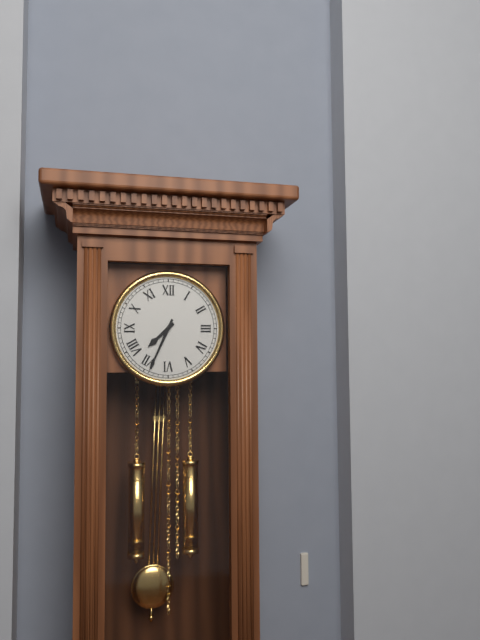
7:34
